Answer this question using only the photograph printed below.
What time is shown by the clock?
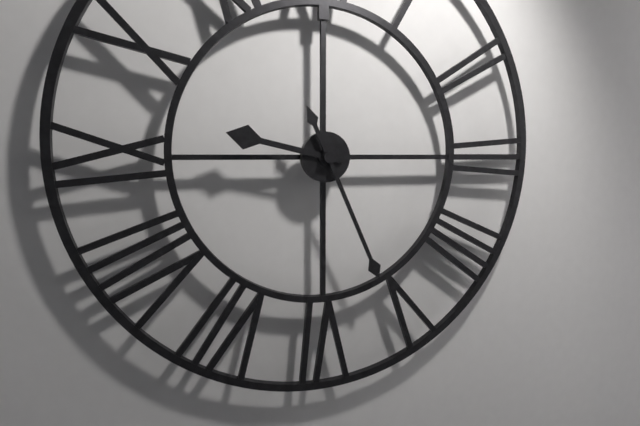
9:26
